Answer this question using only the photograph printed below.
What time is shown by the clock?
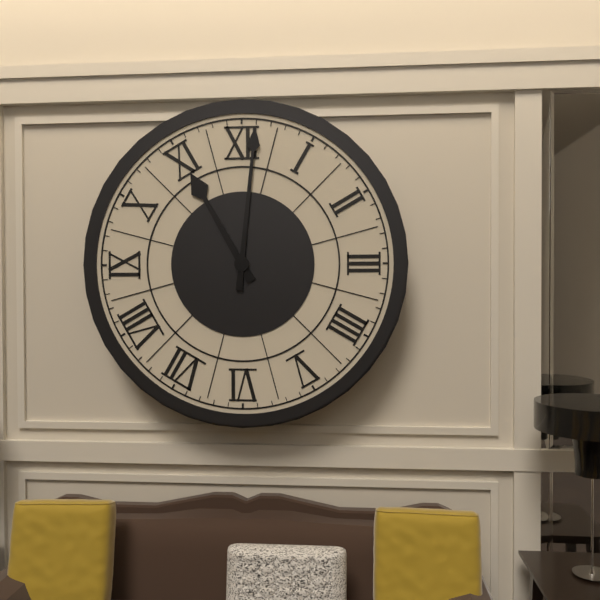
11:01
